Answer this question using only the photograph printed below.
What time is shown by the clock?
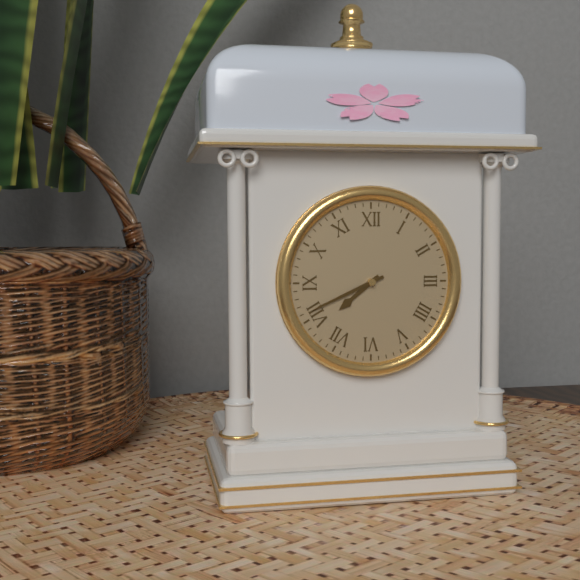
7:41
